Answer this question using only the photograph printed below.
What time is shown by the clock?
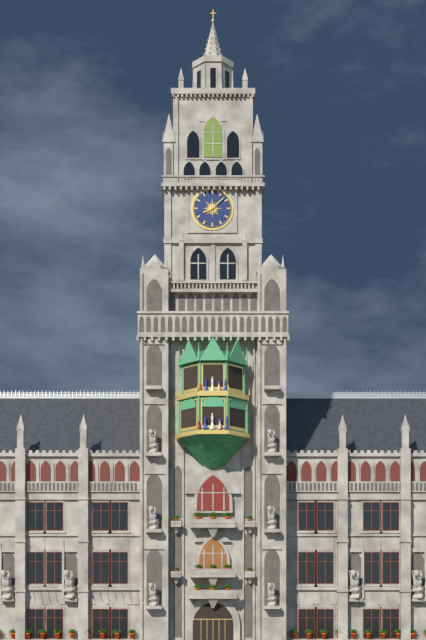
8:08
